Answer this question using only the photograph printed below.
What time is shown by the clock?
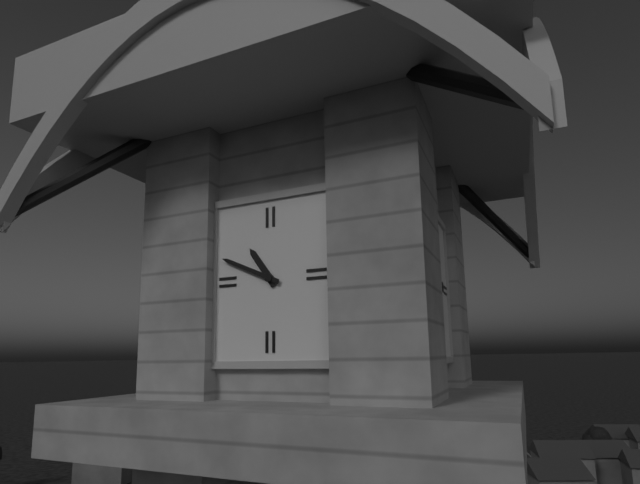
10:49
